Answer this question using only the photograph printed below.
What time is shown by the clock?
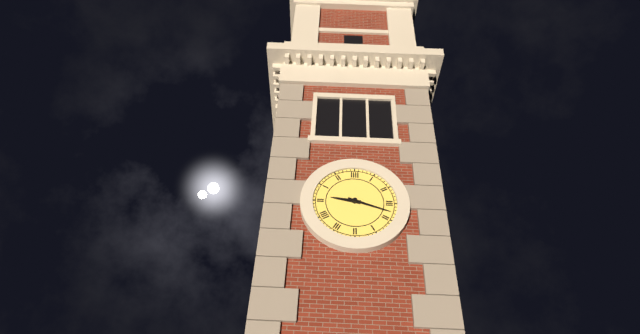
9:18
